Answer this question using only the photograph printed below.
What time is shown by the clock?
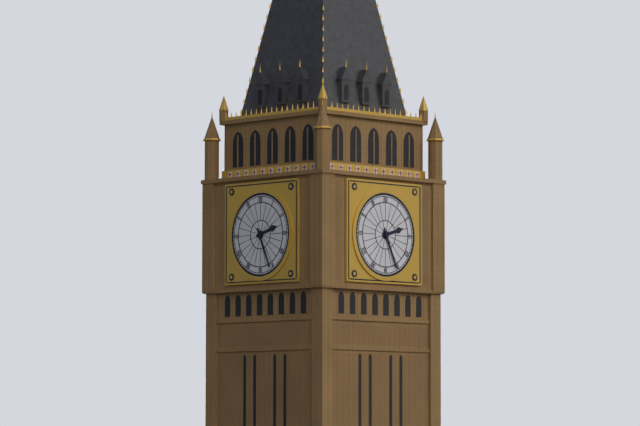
2:26
